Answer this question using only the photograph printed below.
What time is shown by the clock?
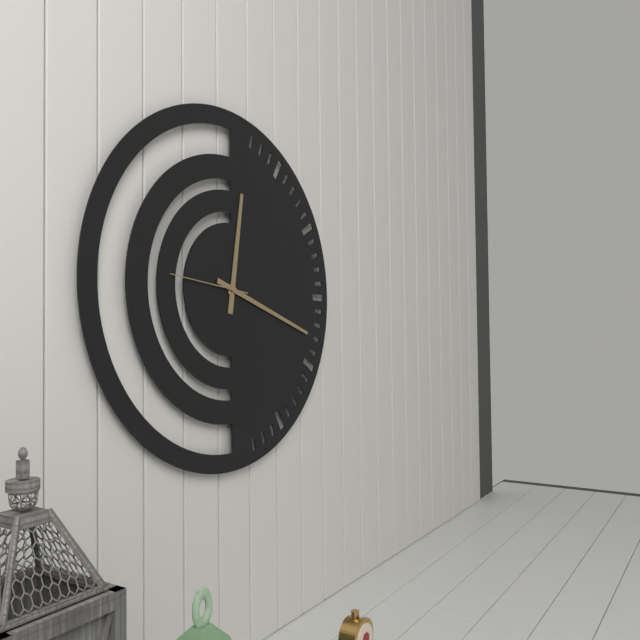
12:18:46
